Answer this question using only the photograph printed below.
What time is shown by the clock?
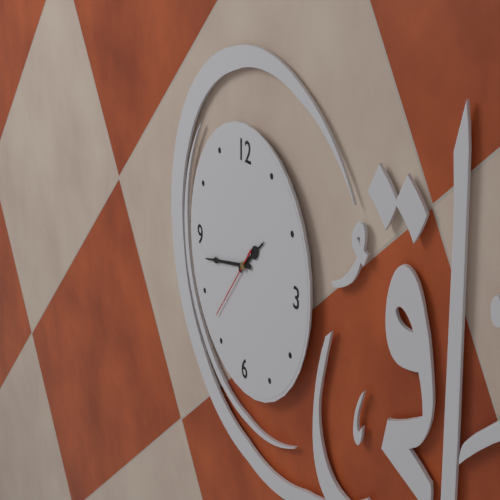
1:43:37
